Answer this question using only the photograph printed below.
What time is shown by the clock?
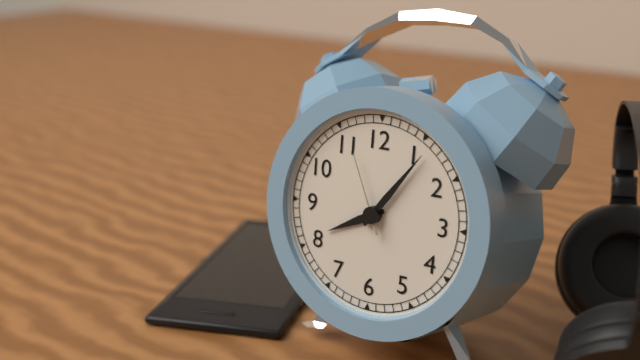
8:06:56
